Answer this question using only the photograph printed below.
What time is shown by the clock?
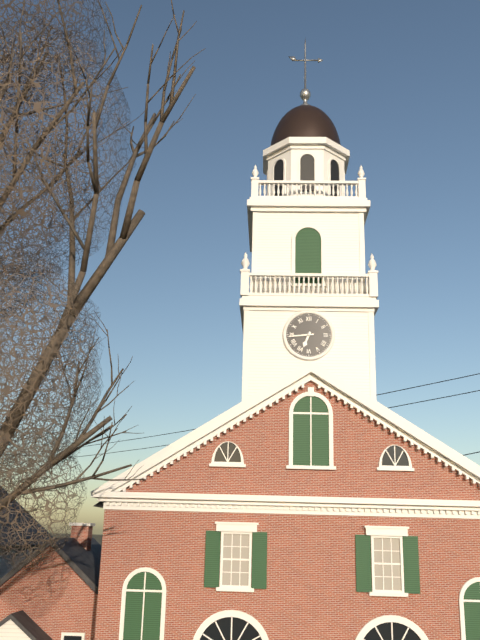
6:44
